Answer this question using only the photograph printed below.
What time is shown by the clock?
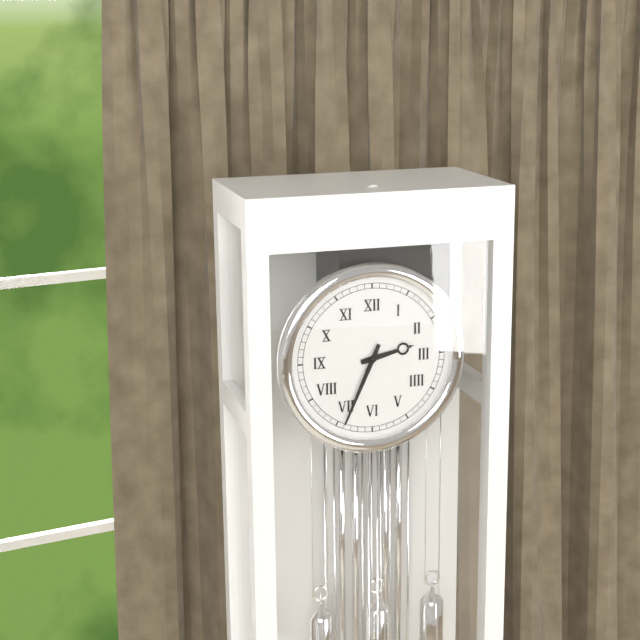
2:34
